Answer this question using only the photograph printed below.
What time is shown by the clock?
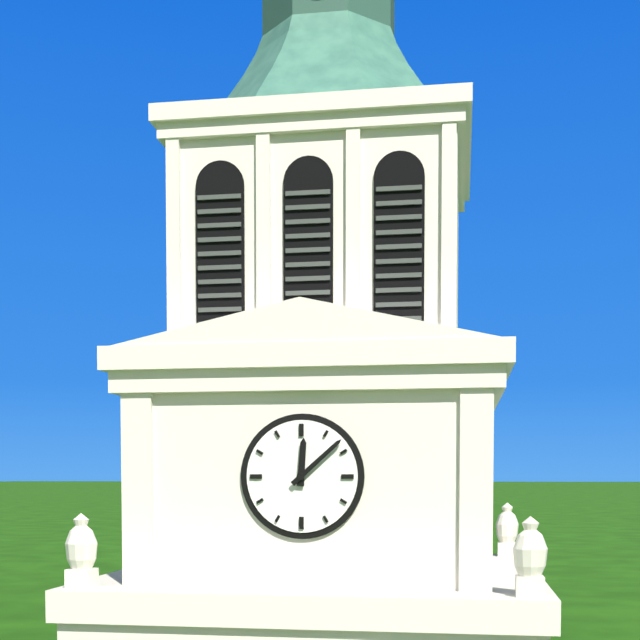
12:08
